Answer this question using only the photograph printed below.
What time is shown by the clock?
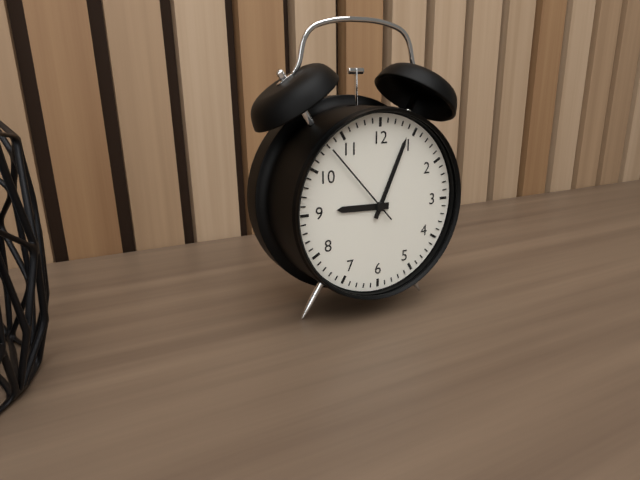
9:04:53
